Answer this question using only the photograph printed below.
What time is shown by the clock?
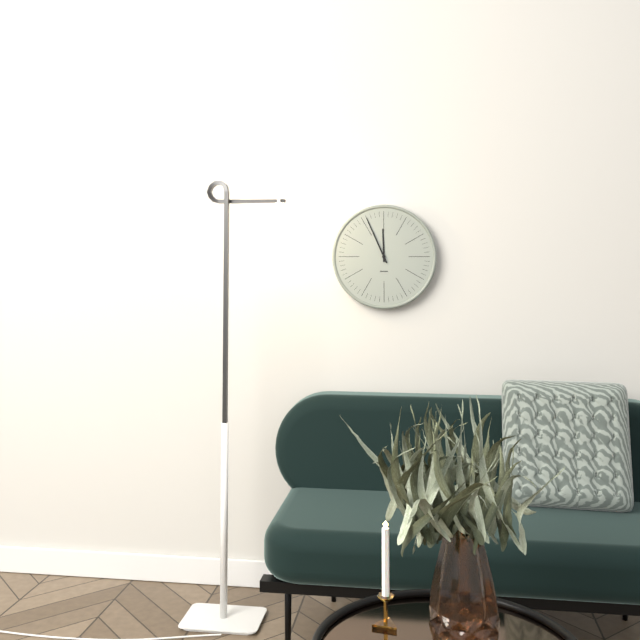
11:56
